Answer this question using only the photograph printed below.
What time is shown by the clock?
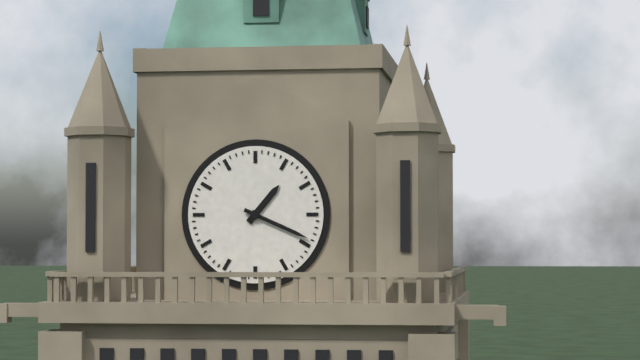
1:19
